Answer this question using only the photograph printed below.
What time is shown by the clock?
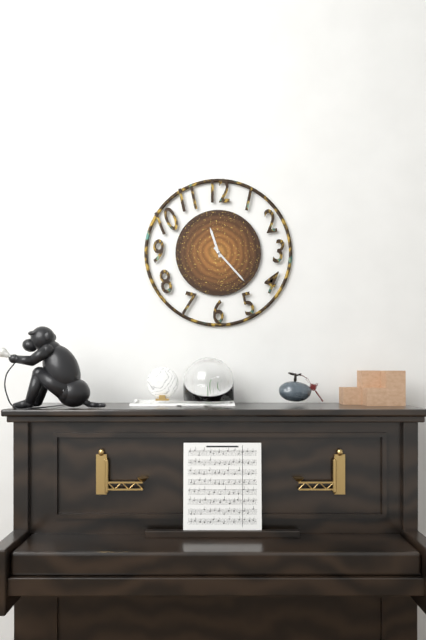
11:23
